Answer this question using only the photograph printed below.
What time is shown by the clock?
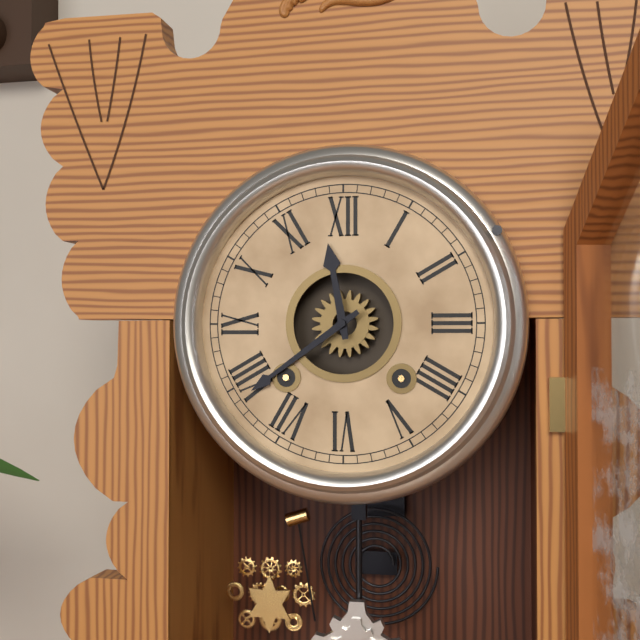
11:39
